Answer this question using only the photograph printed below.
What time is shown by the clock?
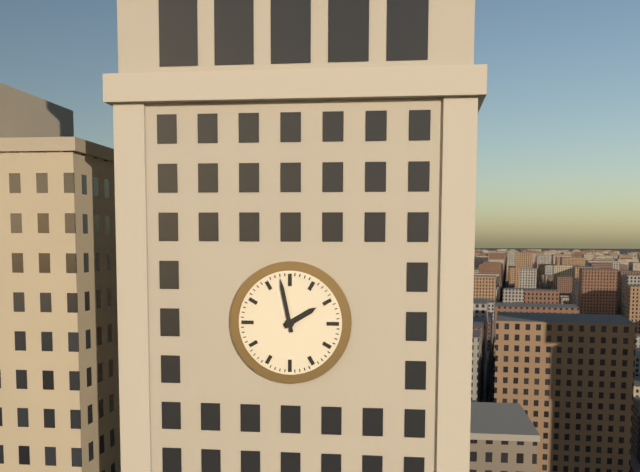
1:58
